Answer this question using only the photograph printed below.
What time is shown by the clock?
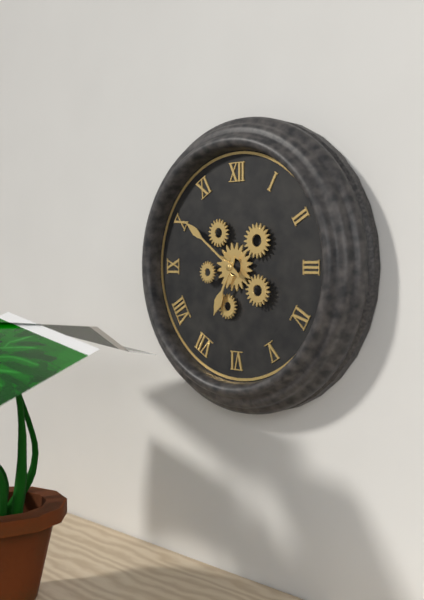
6:51
